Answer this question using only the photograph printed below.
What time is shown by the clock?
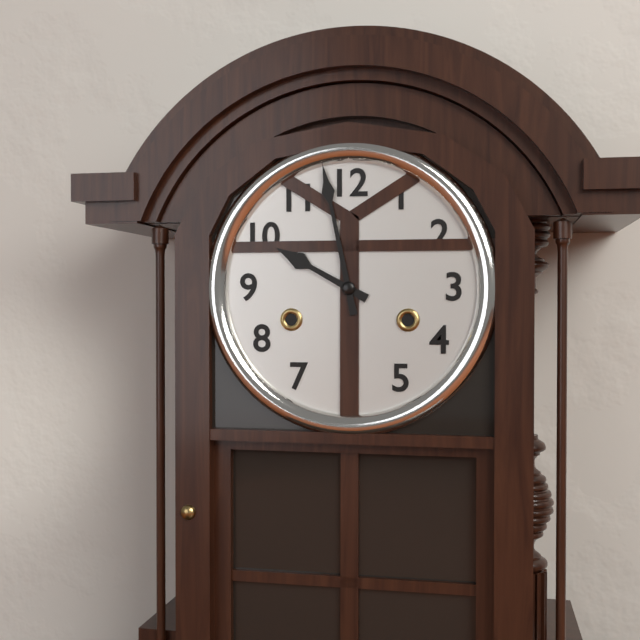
9:58
